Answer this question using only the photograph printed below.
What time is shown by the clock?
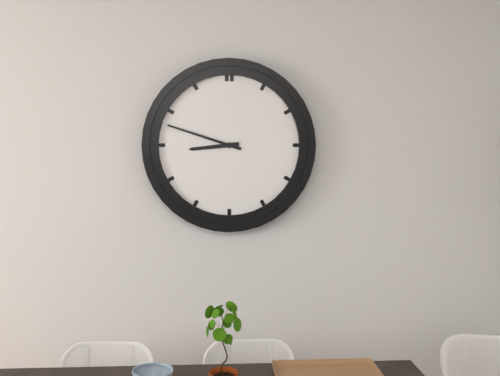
8:48
